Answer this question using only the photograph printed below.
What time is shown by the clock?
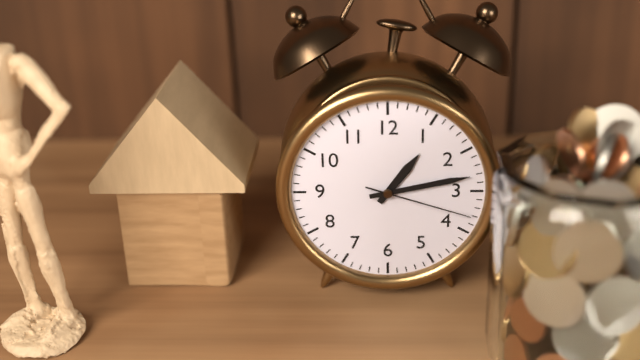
1:13:18
